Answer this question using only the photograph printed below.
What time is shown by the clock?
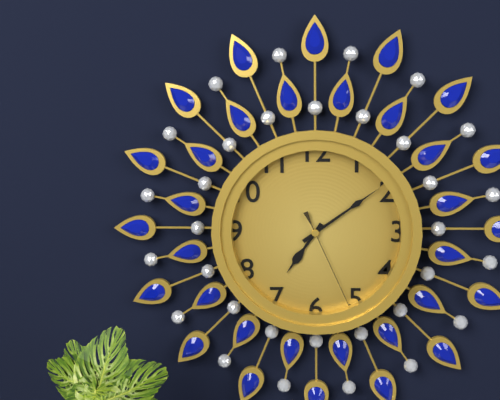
7:09:26
